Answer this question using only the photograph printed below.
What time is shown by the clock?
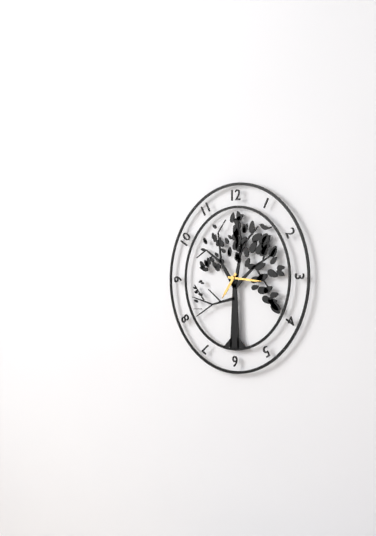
7:16
